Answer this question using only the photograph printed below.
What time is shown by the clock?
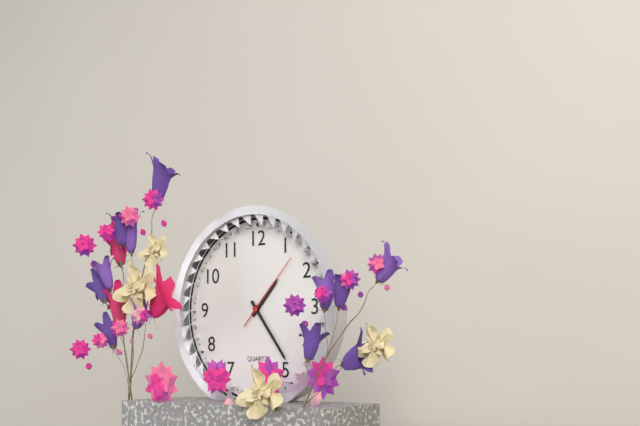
1:24:07
